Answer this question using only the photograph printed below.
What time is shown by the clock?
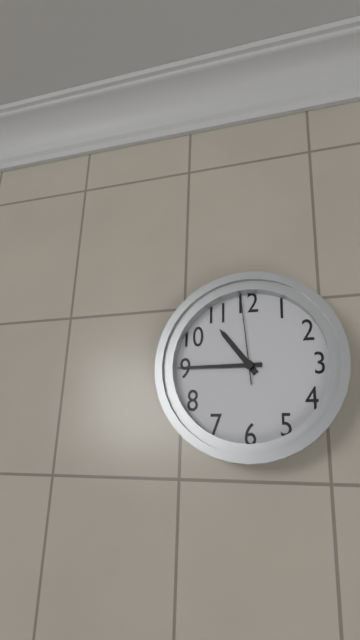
10:45:59
